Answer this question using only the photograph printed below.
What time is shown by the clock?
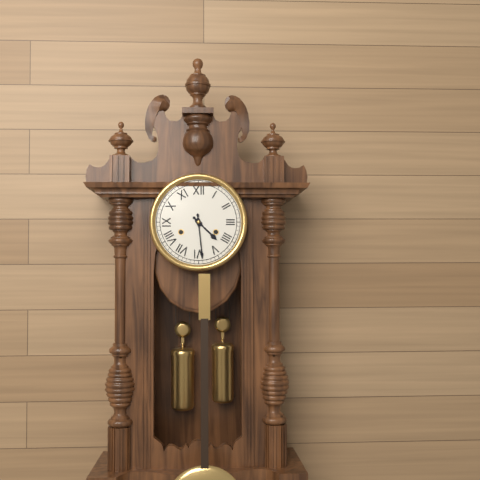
4:29
